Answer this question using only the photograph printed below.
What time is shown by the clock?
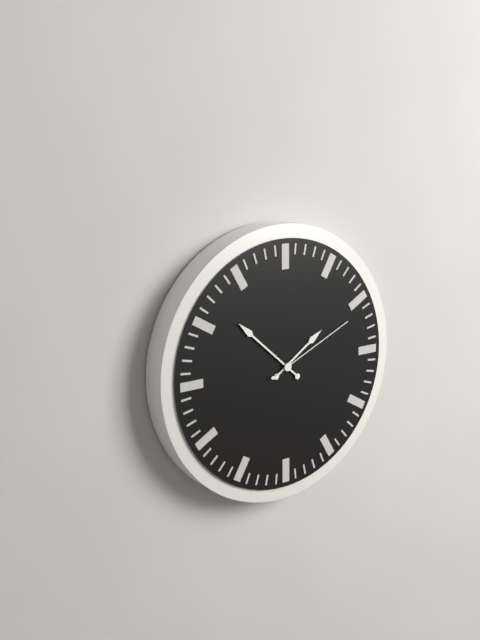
1:52:11
